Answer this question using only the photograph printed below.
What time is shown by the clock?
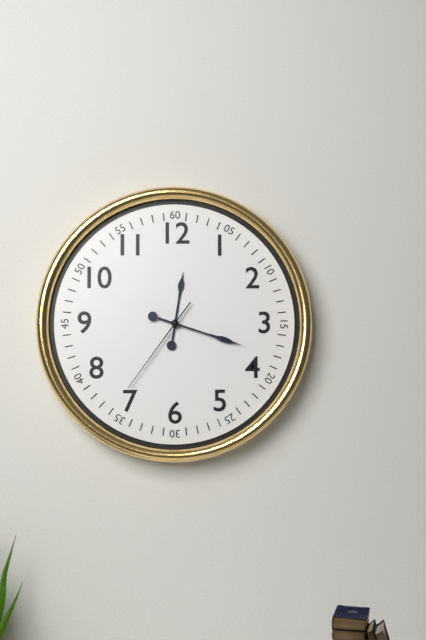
12:18:36
